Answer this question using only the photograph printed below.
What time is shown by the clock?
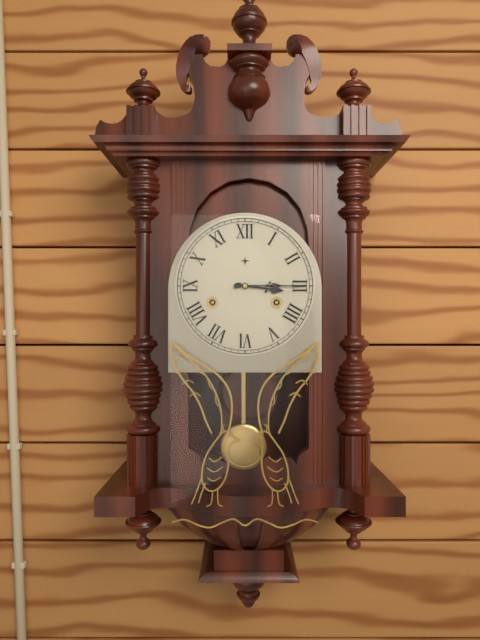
3:15
